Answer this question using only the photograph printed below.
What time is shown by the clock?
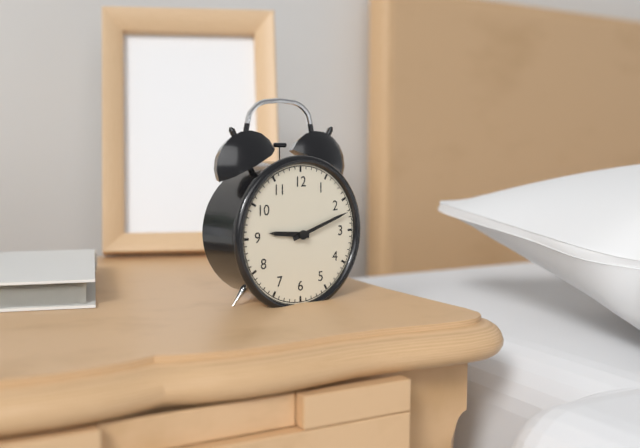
9:12
